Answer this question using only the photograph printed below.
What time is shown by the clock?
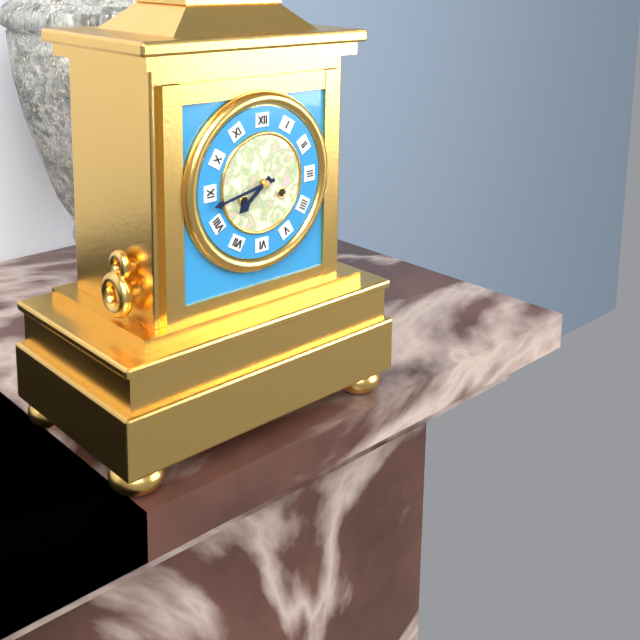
7:43
